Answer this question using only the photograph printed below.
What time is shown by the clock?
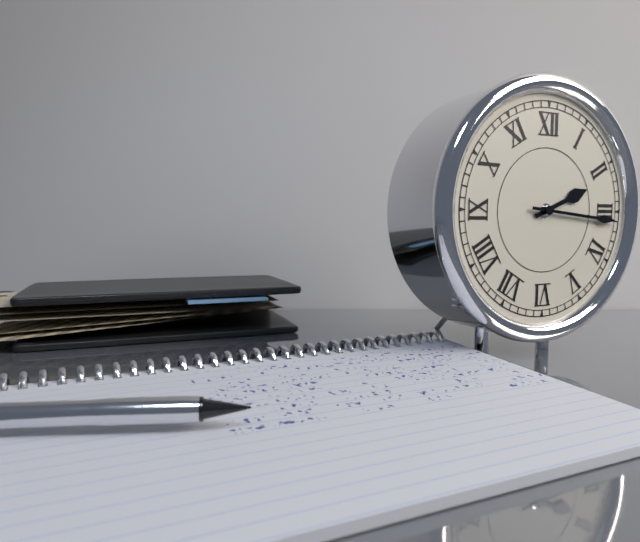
2:16
